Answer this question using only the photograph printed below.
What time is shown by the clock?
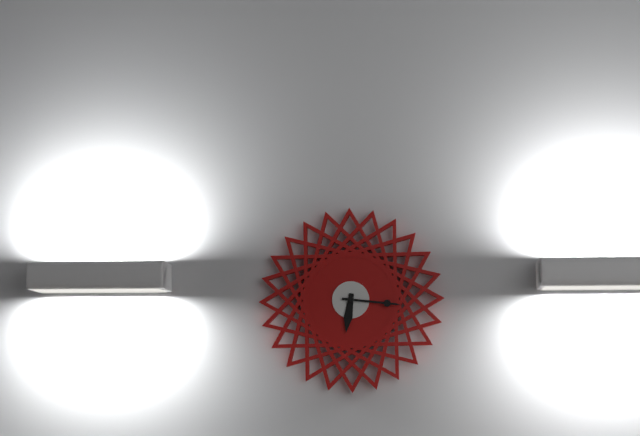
6:16
